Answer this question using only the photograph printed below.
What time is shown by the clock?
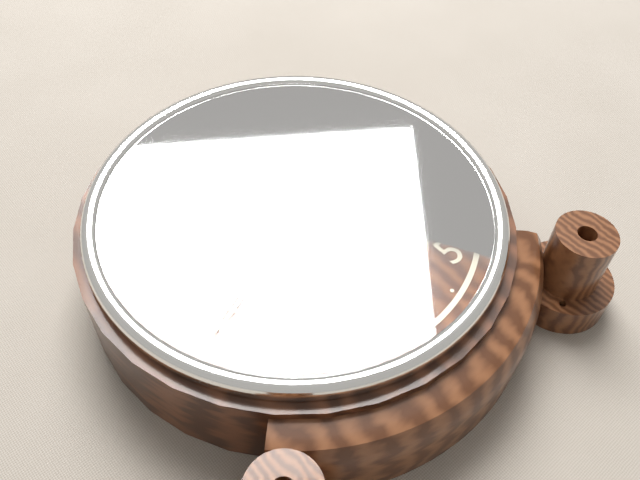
1:41
